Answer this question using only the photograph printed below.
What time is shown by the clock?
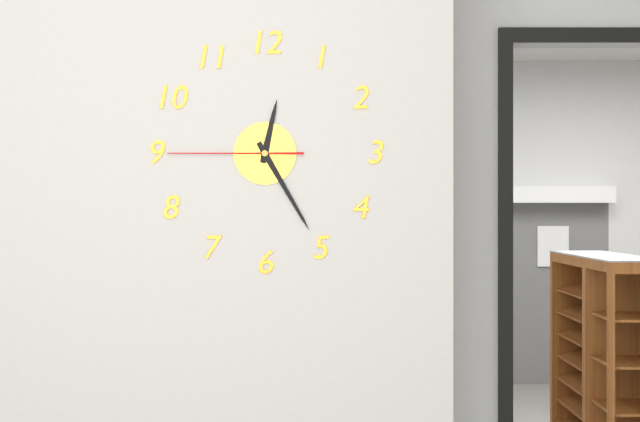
12:25:45
